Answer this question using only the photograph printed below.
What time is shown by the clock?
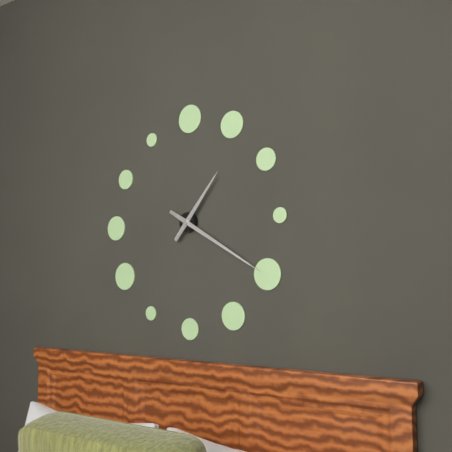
1:20
